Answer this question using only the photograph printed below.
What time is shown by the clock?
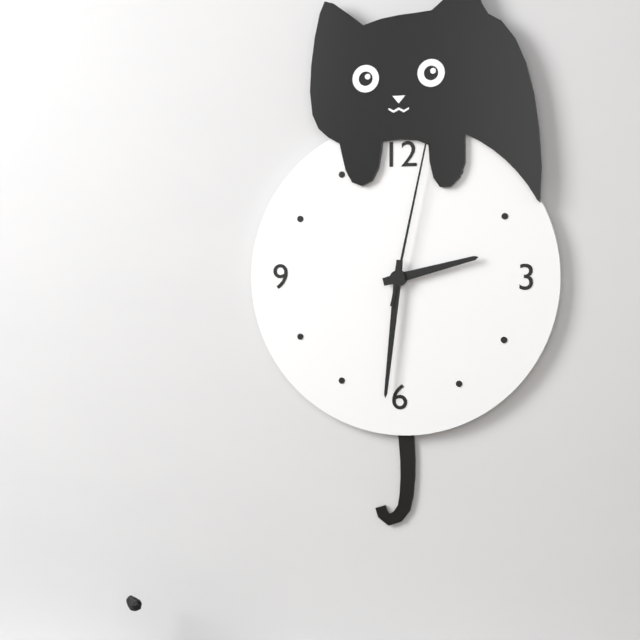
2:31:02
